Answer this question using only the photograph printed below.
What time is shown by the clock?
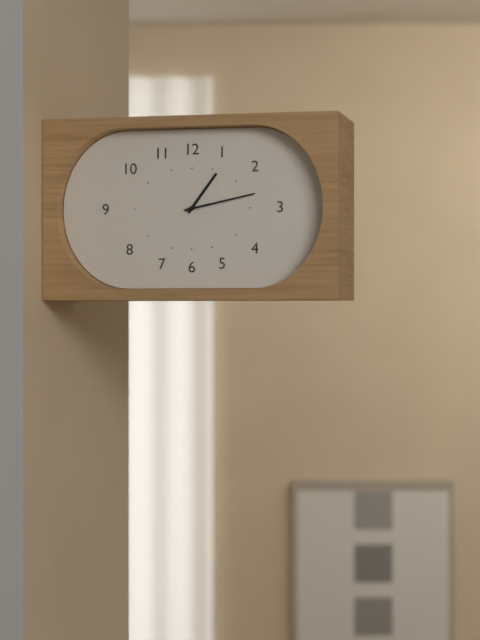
1:13
